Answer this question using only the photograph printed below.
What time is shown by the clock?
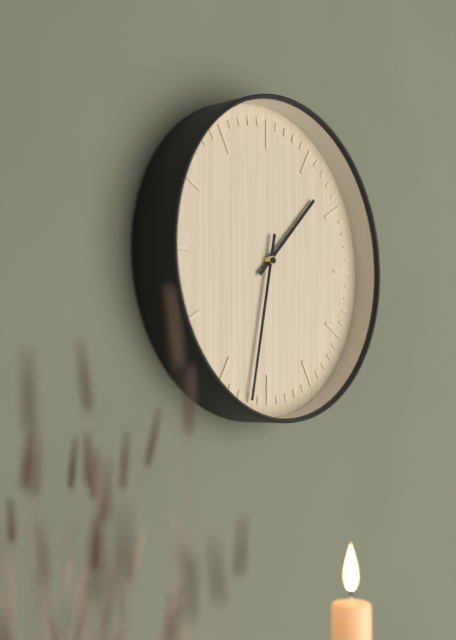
1:32
